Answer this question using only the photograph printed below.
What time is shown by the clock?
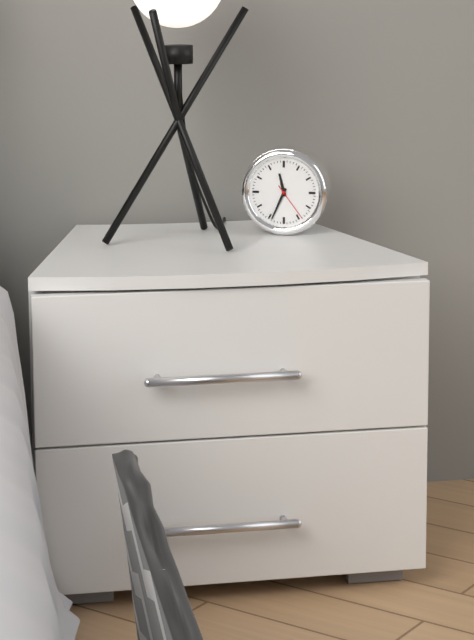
11:34
